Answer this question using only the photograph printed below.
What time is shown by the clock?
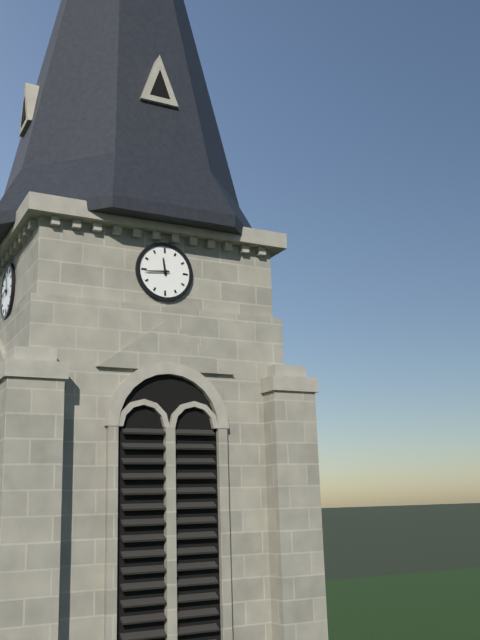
11:44
